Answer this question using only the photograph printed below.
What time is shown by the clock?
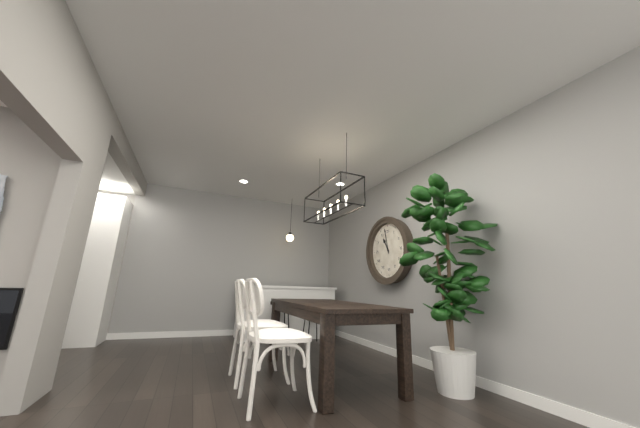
10:58
